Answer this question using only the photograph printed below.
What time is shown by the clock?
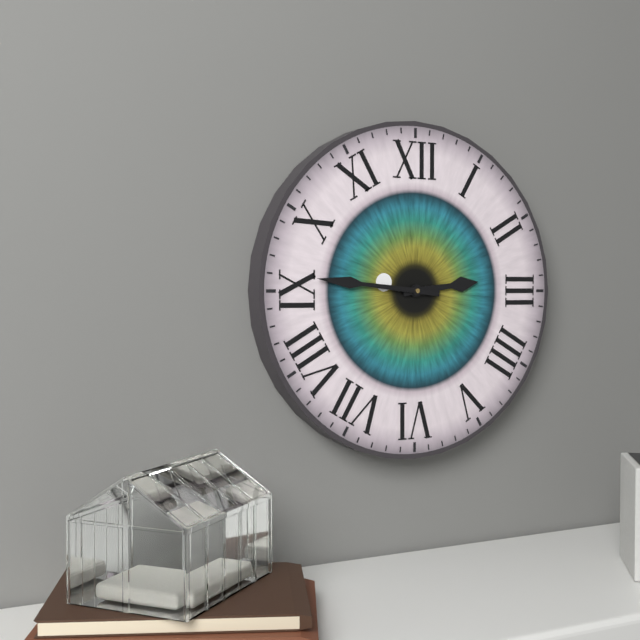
2:46
